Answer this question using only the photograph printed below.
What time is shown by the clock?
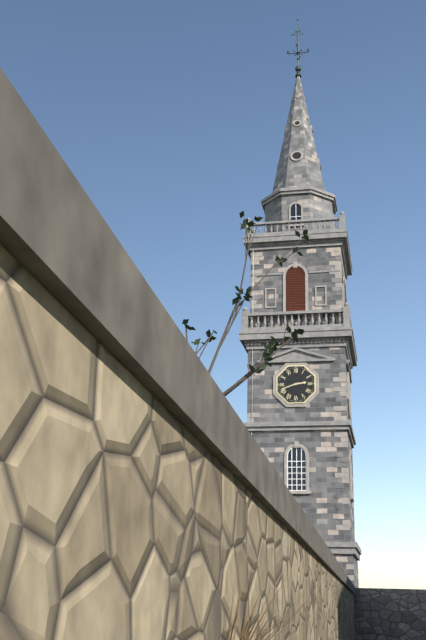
2:42
